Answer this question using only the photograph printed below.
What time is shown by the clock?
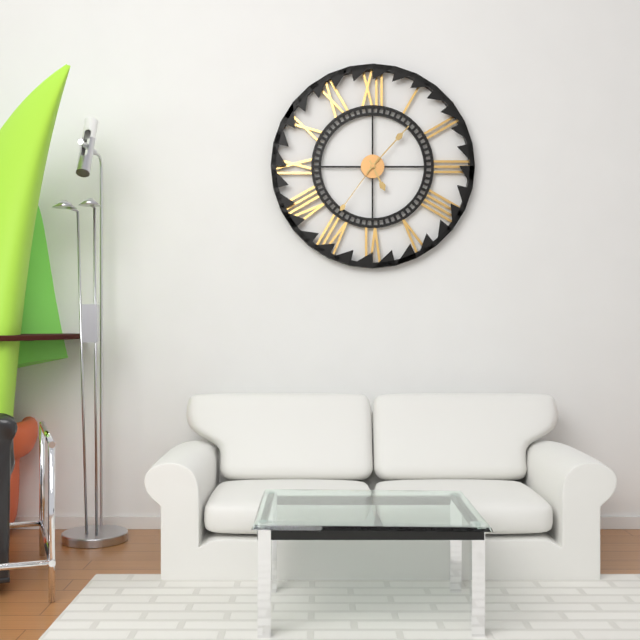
5:07:36
